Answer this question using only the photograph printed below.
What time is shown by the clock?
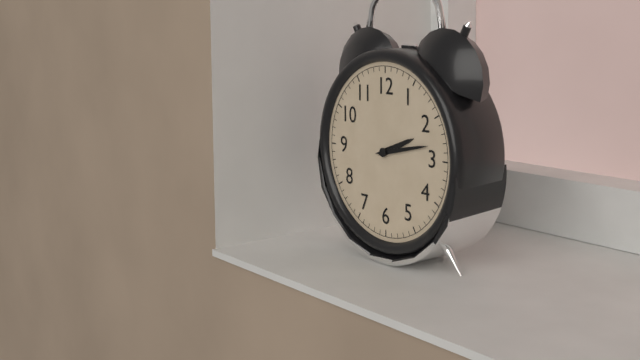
2:13
